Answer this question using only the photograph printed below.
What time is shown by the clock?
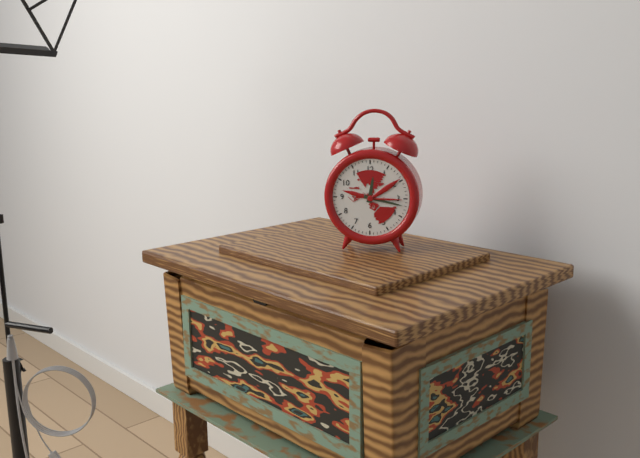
12:17
